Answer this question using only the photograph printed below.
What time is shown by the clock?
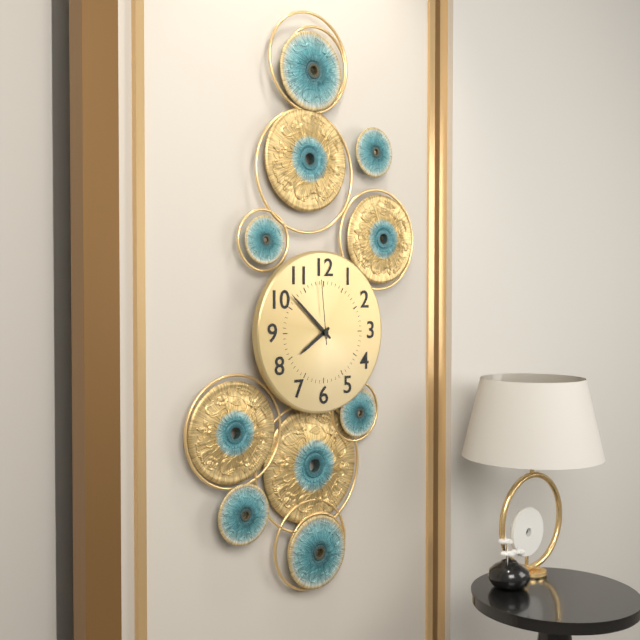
7:52:59
